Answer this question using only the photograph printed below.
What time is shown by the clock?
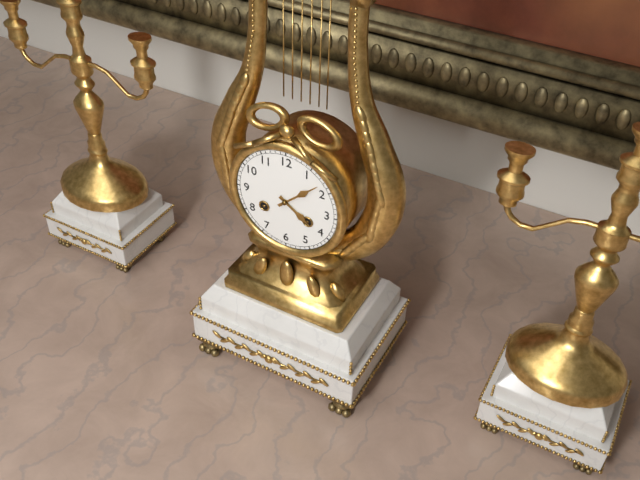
4:08
